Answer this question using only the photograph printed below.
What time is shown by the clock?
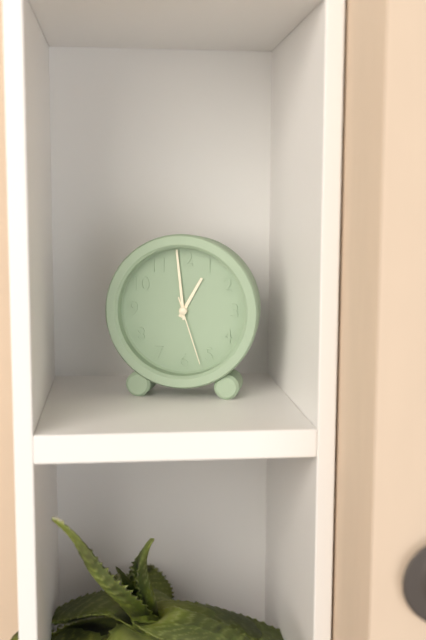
12:59:27
